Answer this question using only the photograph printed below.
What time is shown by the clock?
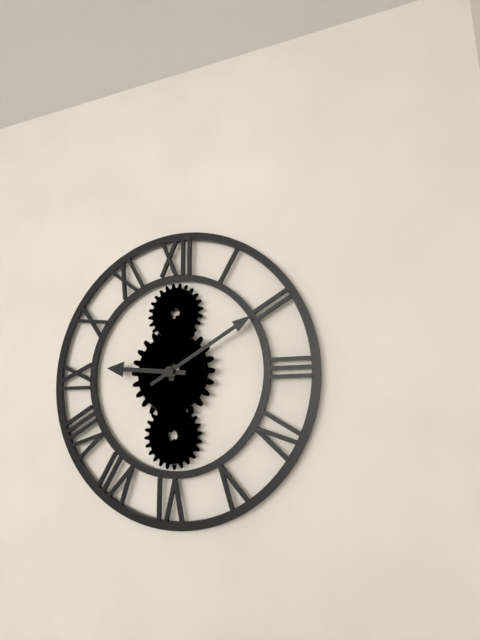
9:10
